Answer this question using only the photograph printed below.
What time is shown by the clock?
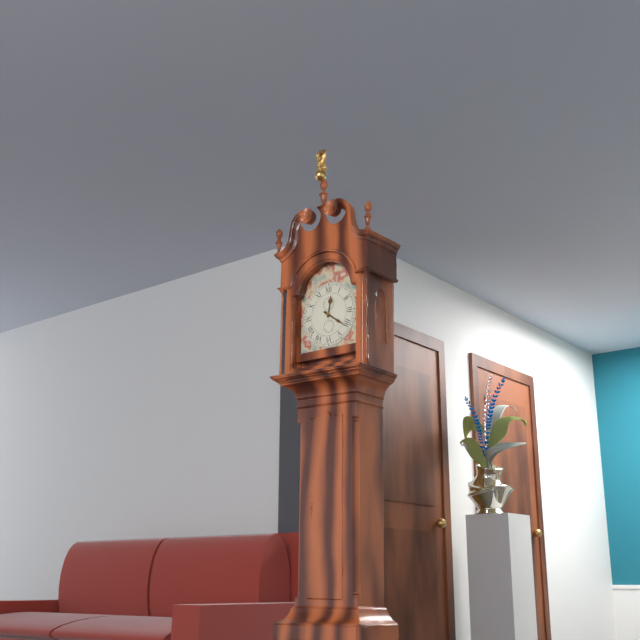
12:21
